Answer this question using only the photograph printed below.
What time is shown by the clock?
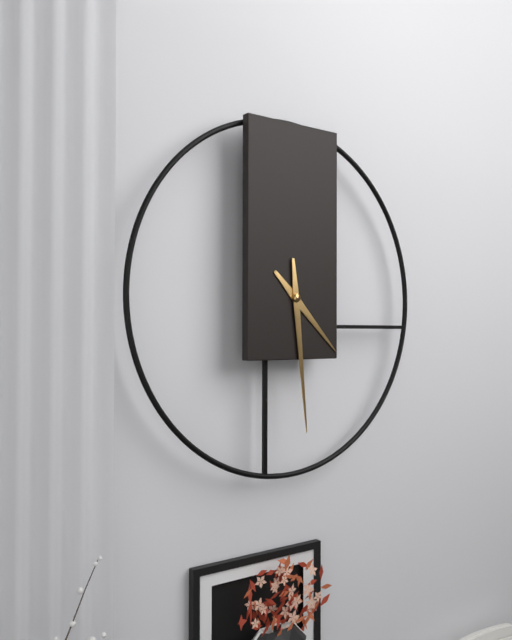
4:29
